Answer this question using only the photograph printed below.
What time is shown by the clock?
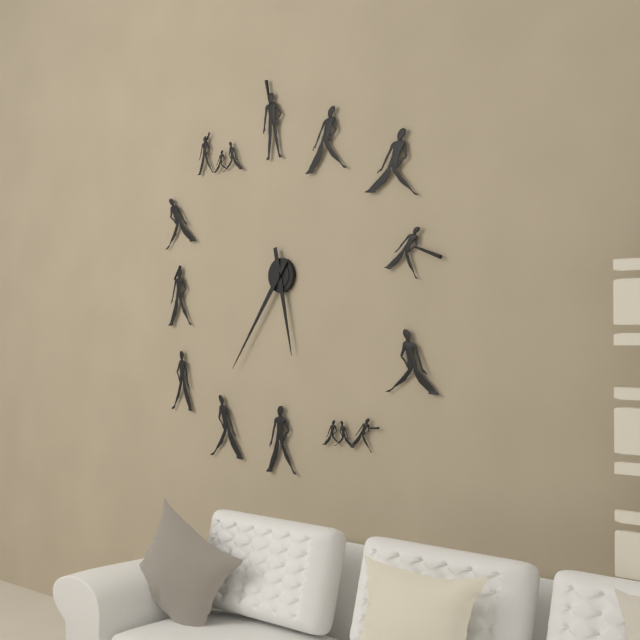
5:36
